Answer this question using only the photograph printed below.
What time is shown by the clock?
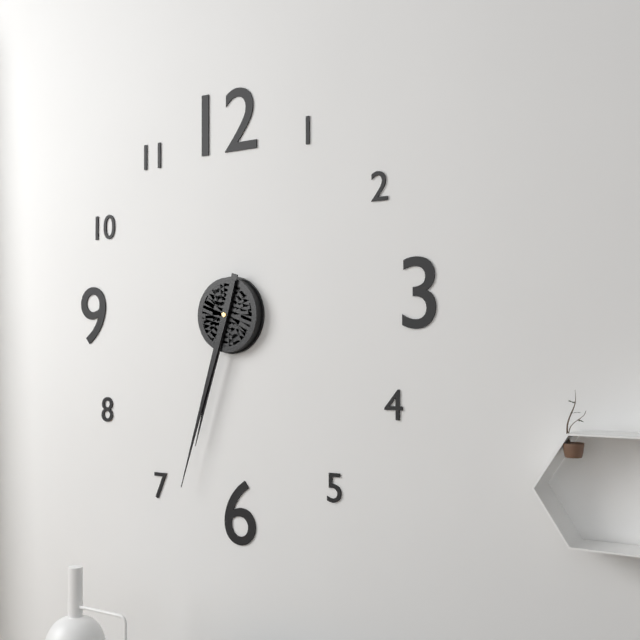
6:33
